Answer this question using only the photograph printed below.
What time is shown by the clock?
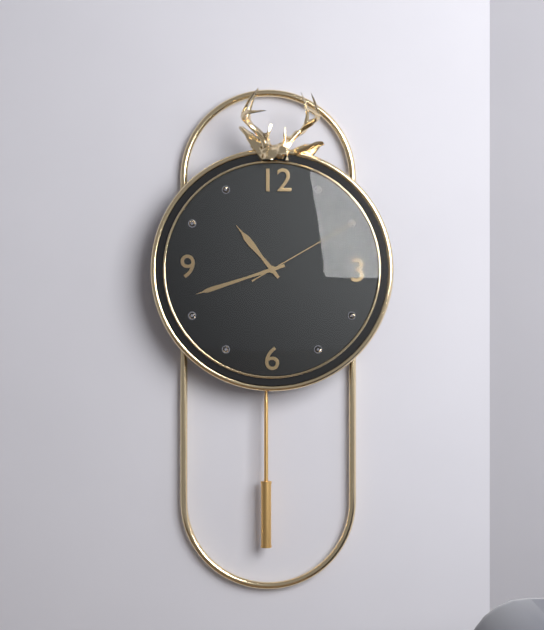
10:42:10
